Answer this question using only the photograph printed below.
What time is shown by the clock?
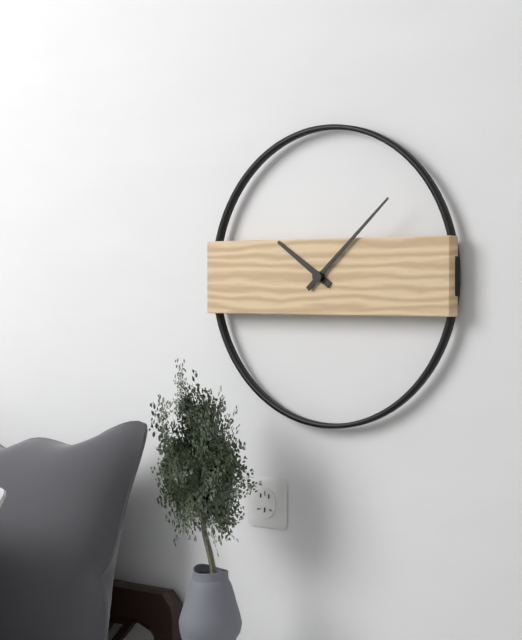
10:08
